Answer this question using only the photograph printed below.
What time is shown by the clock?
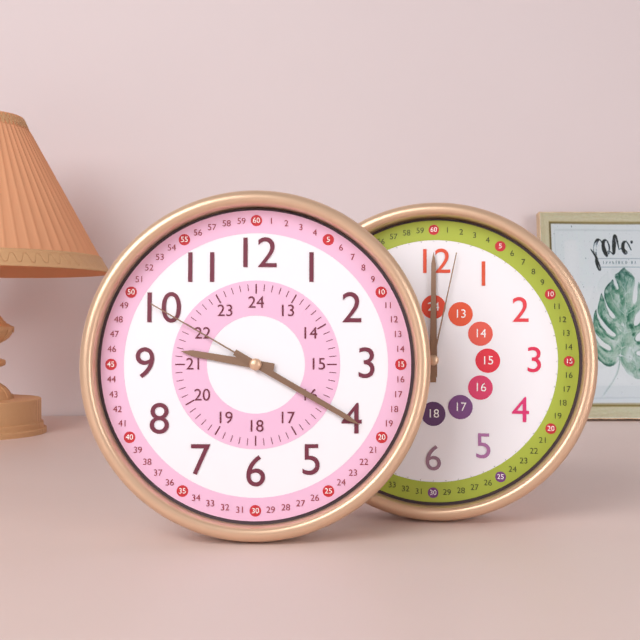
9:20:50
